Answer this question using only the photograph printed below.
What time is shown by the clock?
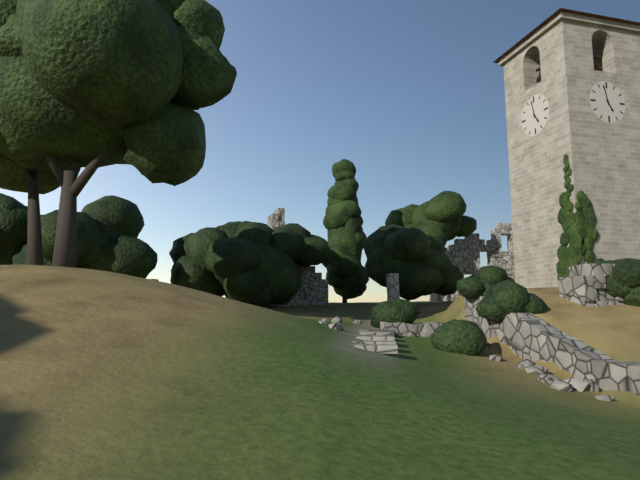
4:58
